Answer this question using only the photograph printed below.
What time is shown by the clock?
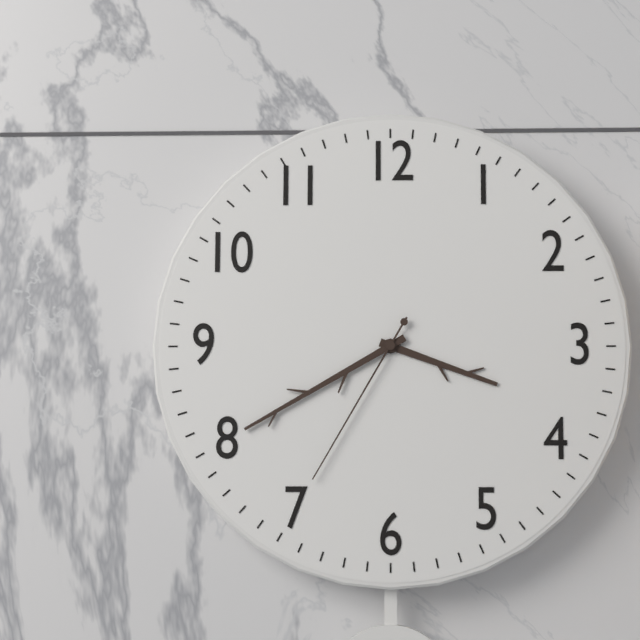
3:40:35
